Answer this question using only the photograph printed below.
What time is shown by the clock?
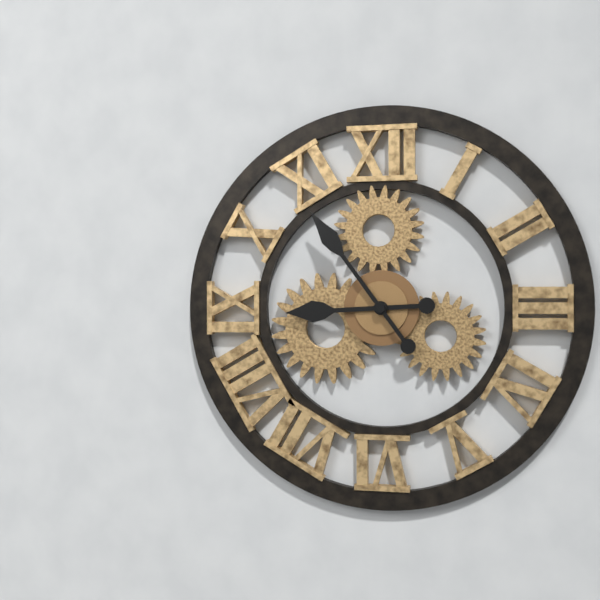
8:54
